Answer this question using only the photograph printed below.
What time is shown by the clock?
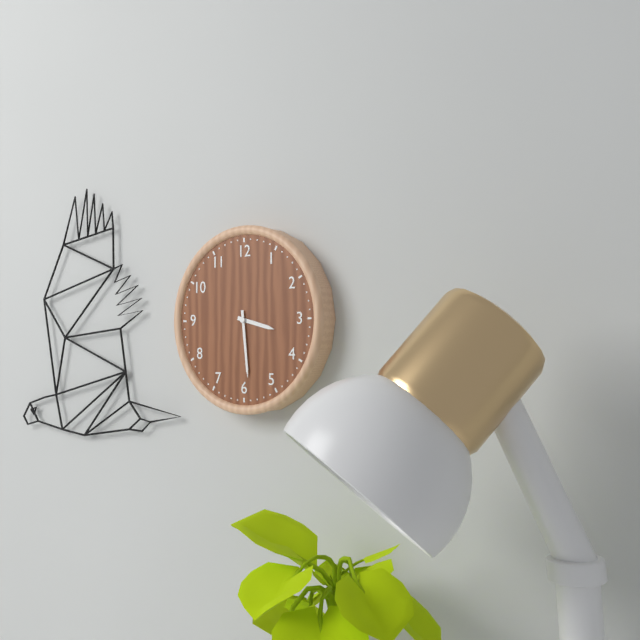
3:29
